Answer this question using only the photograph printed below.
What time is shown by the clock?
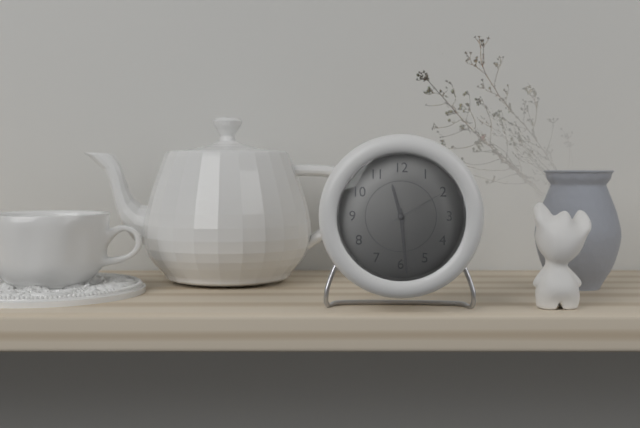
11:29:10
